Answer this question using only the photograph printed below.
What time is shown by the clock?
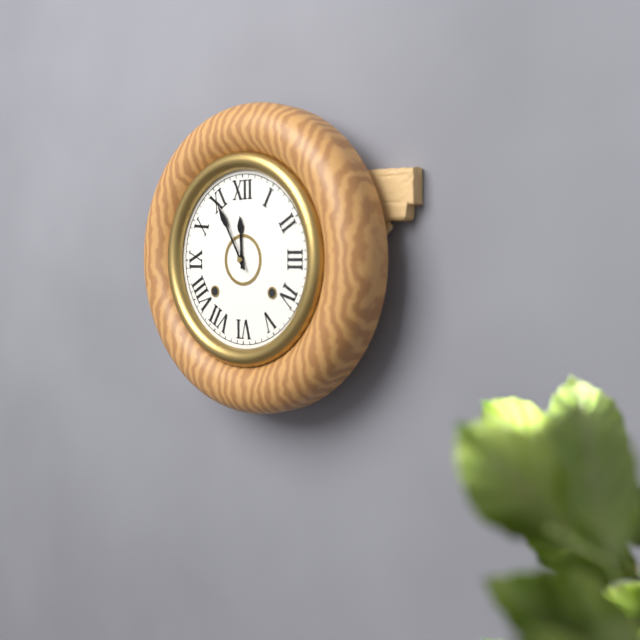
11:55
